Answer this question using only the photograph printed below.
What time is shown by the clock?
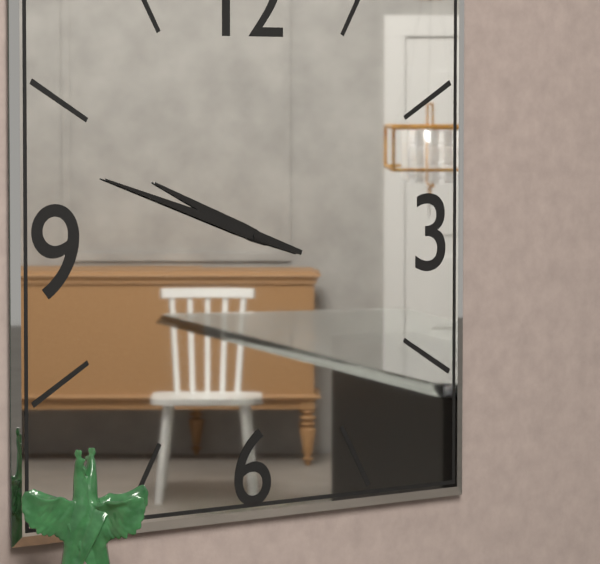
9:48
